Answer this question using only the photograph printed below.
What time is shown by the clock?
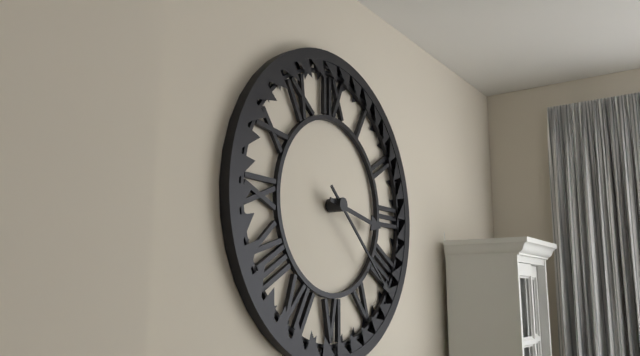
3:22
